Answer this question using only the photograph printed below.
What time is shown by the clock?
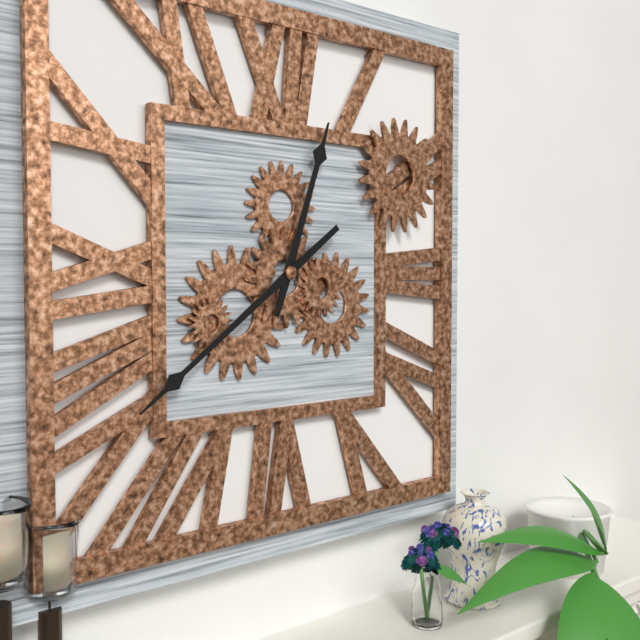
12:39
